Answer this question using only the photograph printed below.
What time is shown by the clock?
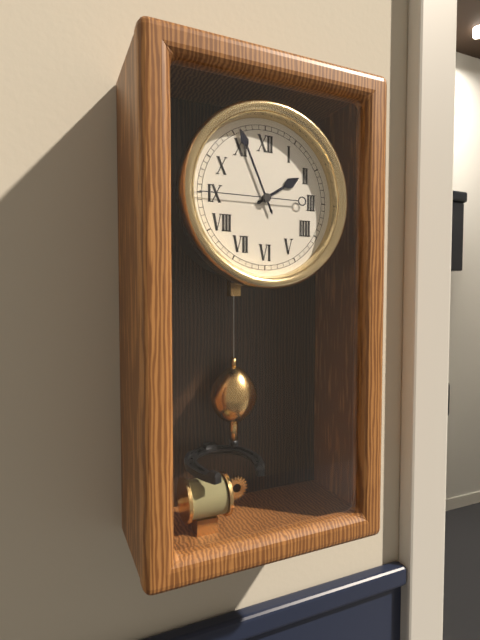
1:56:45
